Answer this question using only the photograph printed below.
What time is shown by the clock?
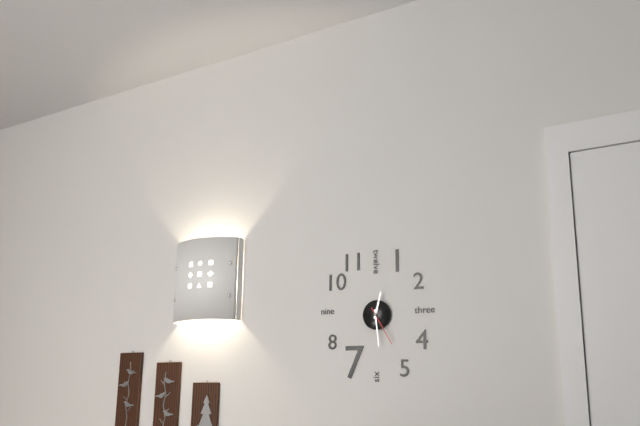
12:29
